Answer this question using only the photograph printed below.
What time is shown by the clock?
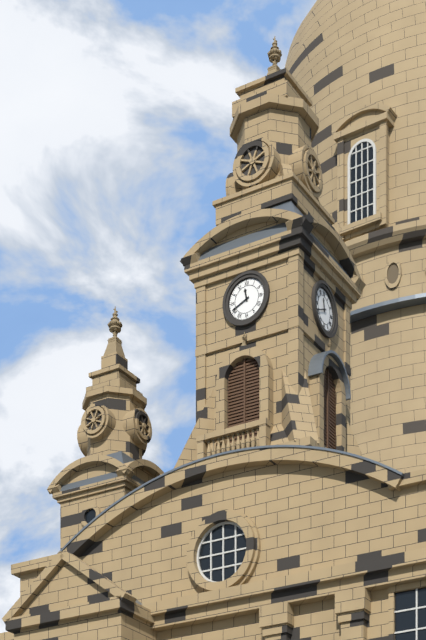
11:41
